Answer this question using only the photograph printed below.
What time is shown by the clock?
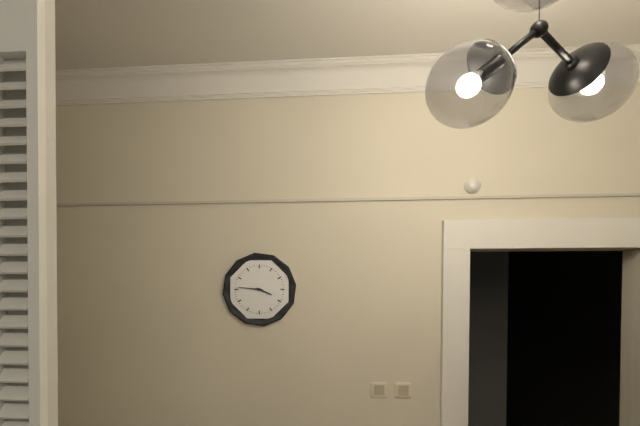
3:46
